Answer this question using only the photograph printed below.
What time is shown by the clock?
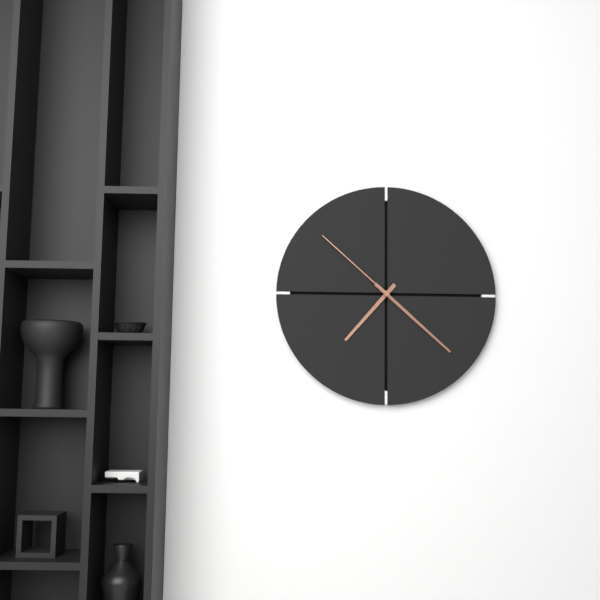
7:22:52
